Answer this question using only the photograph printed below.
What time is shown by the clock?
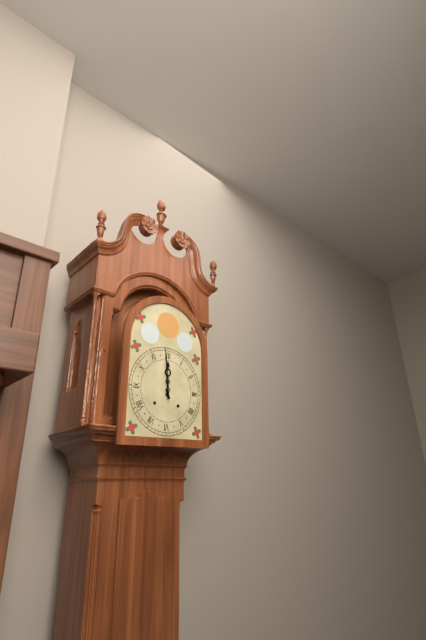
11:59
